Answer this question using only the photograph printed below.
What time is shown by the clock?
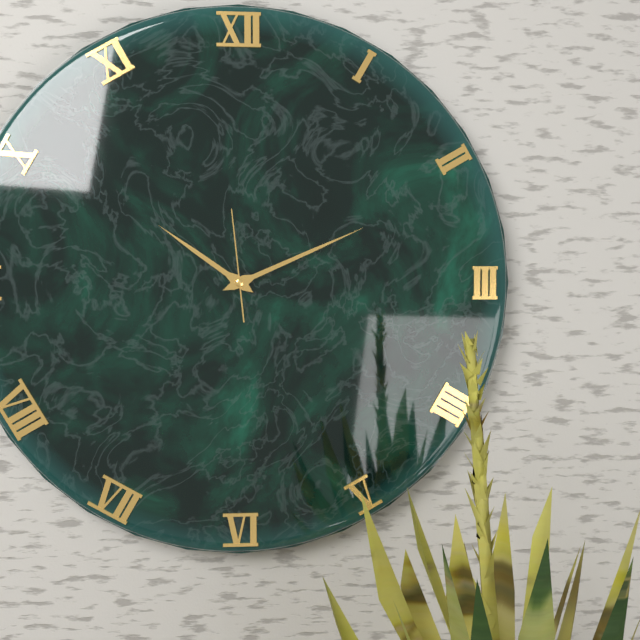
10:11:59
